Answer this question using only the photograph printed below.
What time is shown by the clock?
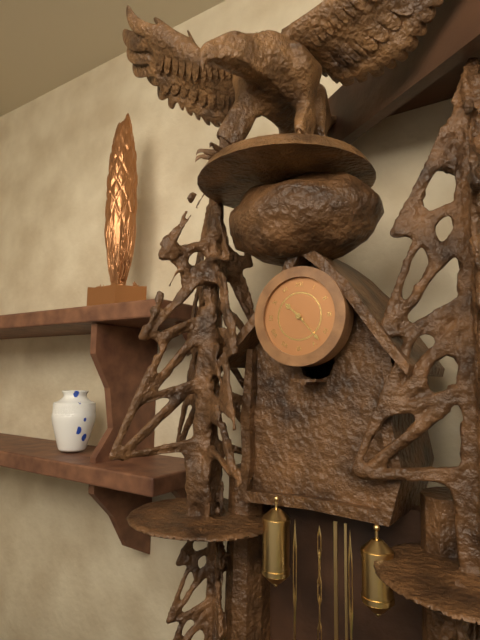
10:23
